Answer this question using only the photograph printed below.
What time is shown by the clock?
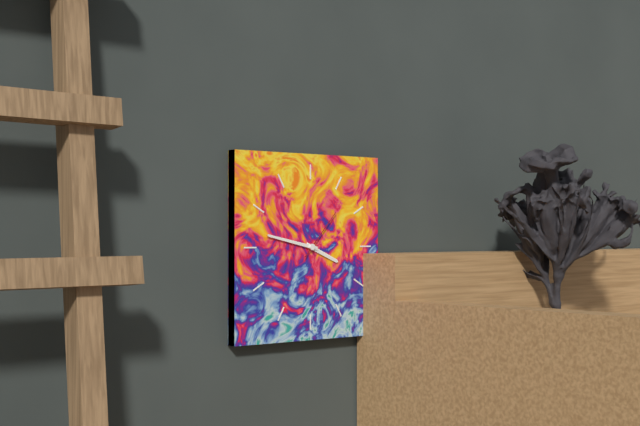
3:47:07
